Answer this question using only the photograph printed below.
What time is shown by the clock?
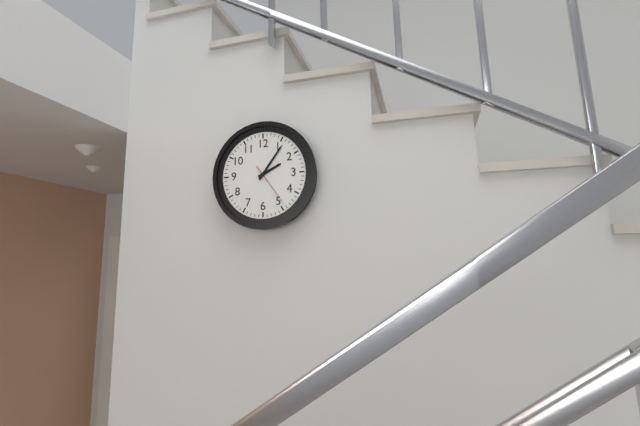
2:06
